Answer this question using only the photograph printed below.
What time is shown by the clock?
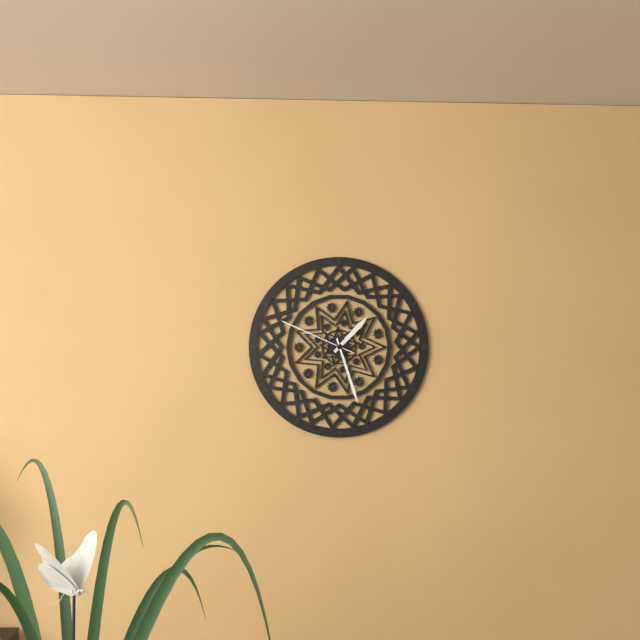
1:27:49
